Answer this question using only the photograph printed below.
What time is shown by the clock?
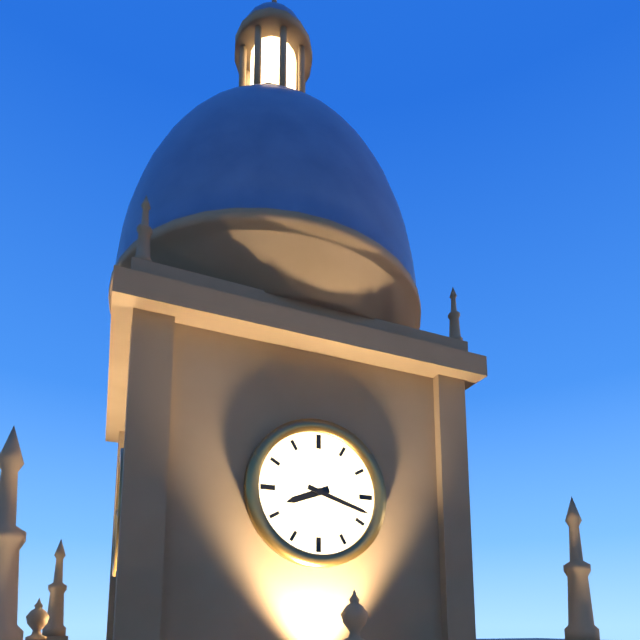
8:18
